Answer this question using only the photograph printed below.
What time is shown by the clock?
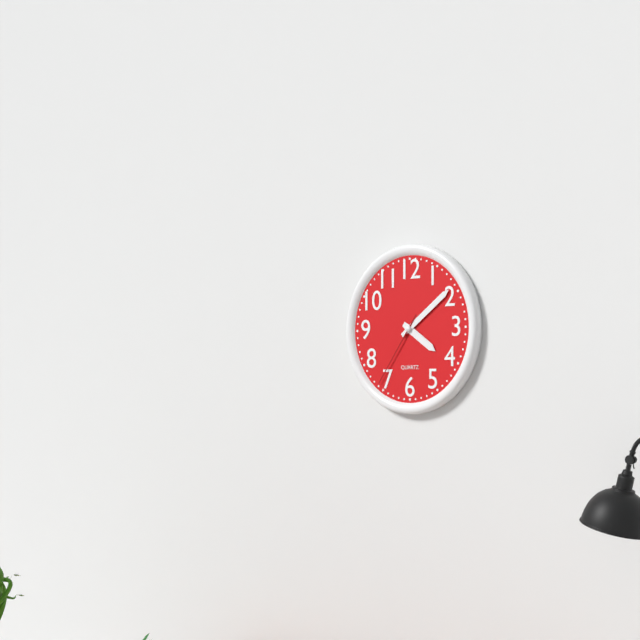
4:09:36
